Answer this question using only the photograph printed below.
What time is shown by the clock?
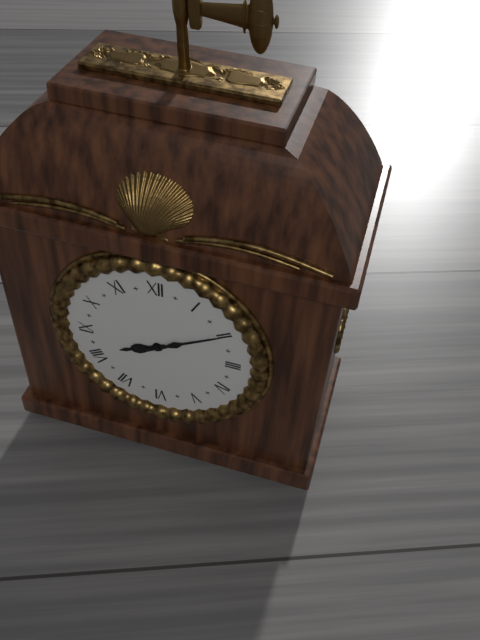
8:10
